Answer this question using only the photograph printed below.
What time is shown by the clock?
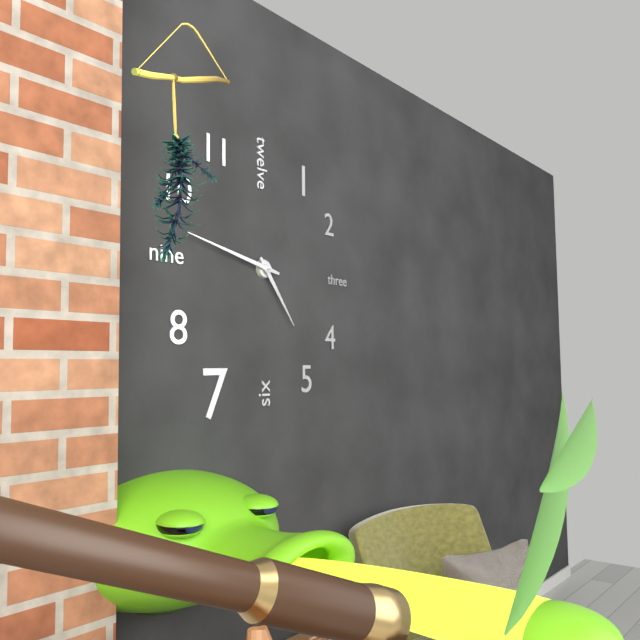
4:47
